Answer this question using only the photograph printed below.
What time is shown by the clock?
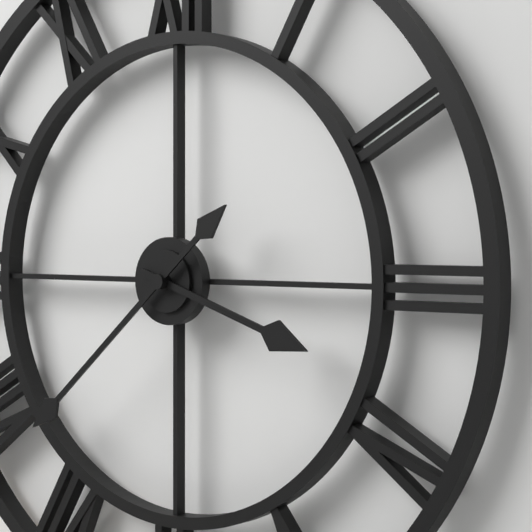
3:38
